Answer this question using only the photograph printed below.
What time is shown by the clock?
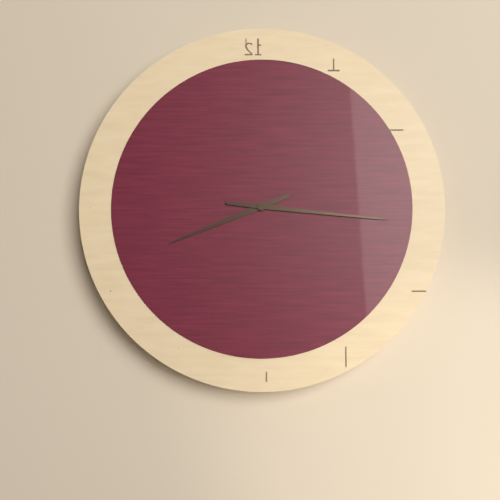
8:16
